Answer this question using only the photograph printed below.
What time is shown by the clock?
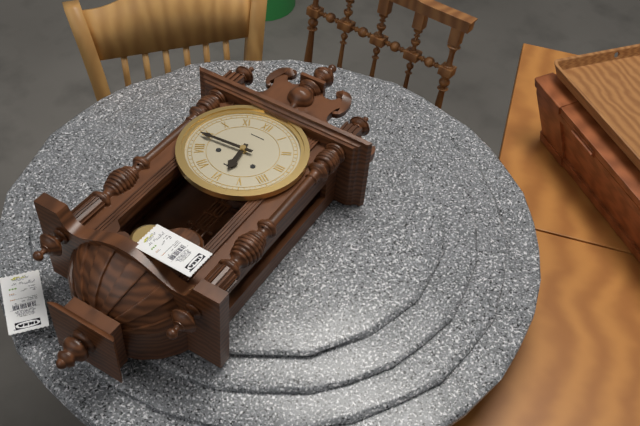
5:44
